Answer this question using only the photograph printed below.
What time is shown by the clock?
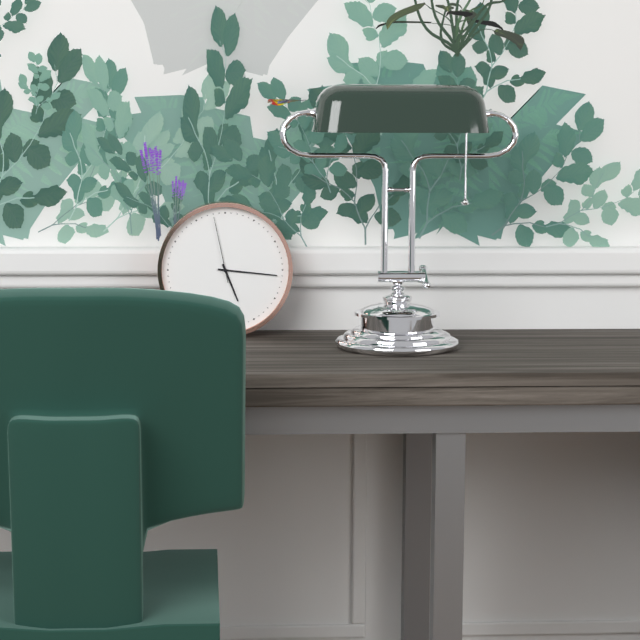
5:16:58
